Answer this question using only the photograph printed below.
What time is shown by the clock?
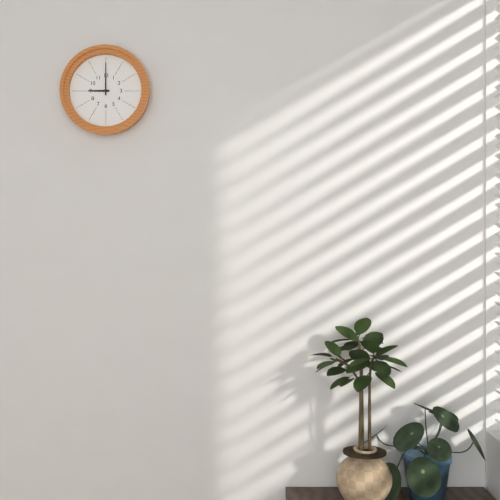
9:00
